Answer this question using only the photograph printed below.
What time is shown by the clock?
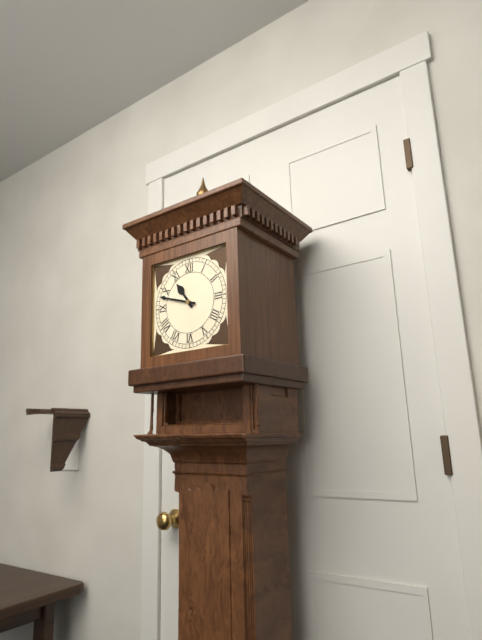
10:48
